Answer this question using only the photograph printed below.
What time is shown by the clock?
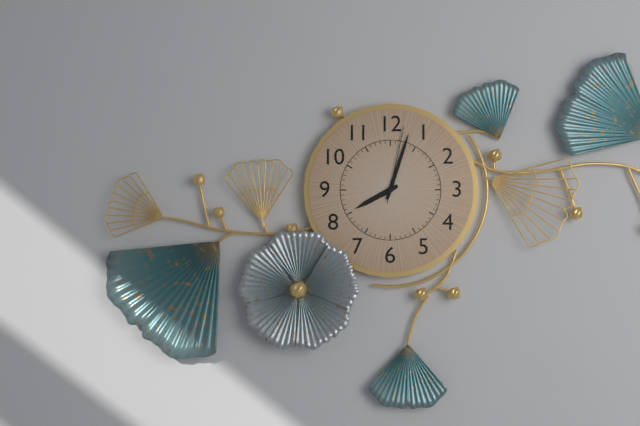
8:03:02
